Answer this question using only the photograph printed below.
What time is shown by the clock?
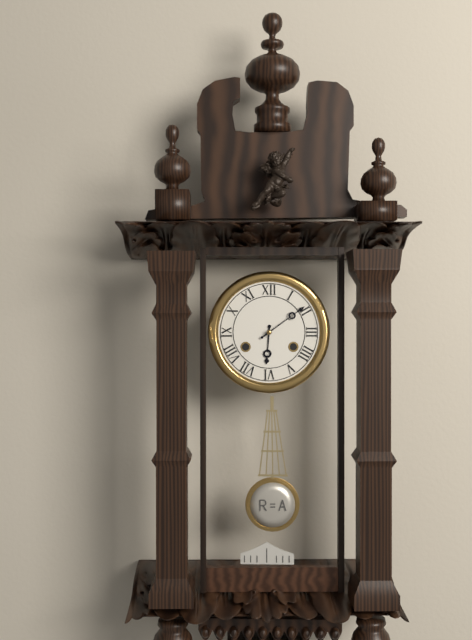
6:09
